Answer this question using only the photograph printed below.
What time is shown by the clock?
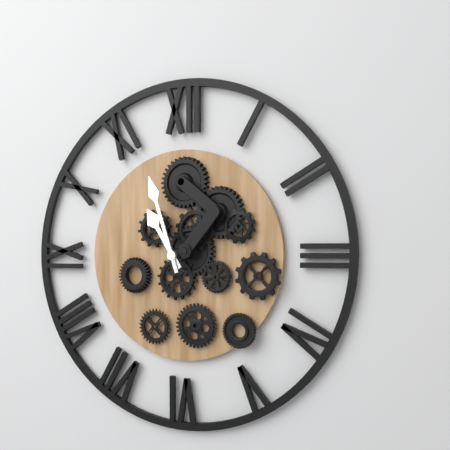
10:57
